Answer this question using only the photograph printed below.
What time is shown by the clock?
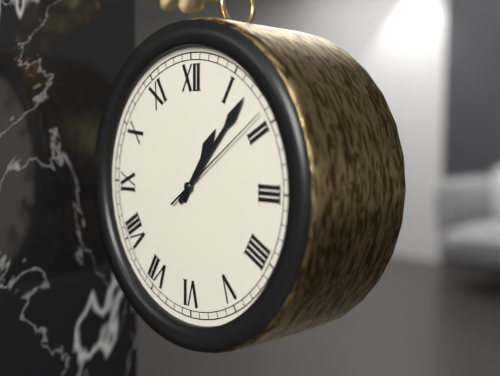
1:07:09
